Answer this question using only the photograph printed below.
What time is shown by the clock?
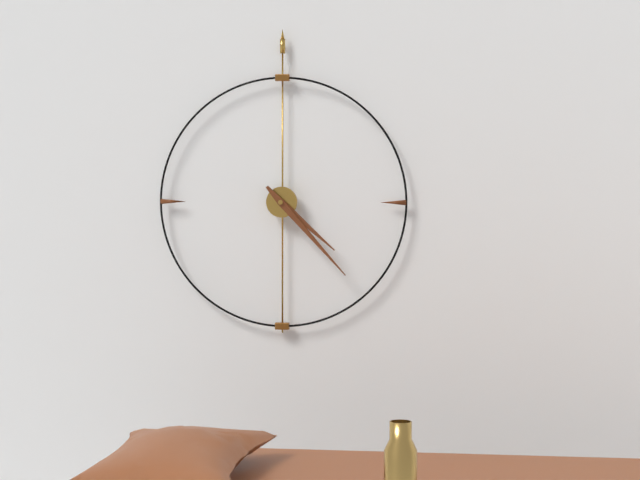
4:23
